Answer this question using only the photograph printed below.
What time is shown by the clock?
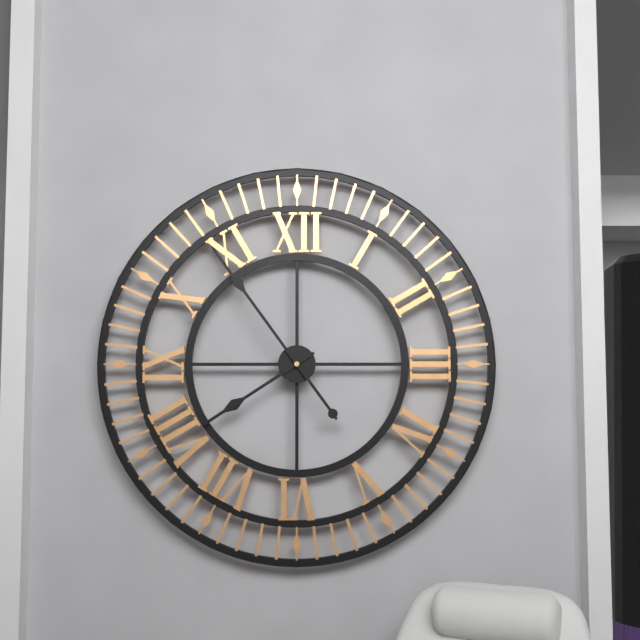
7:54
